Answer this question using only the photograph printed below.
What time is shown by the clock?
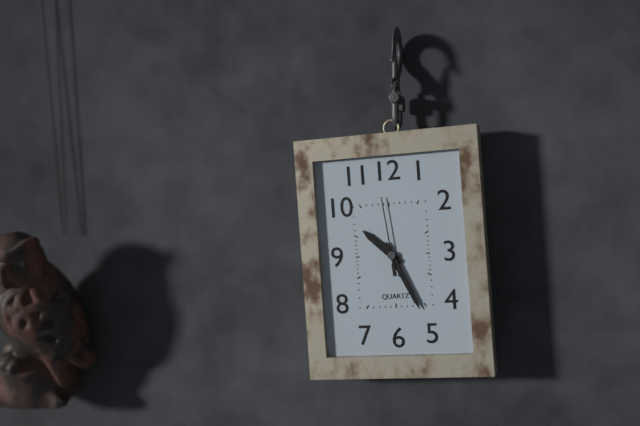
10:26:59
